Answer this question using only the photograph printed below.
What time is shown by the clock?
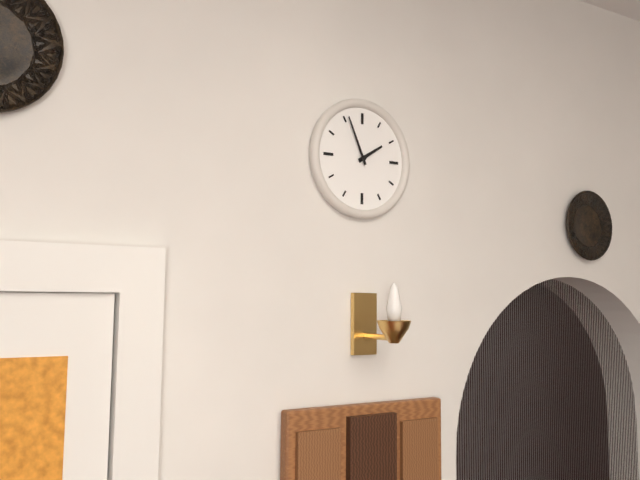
1:56
